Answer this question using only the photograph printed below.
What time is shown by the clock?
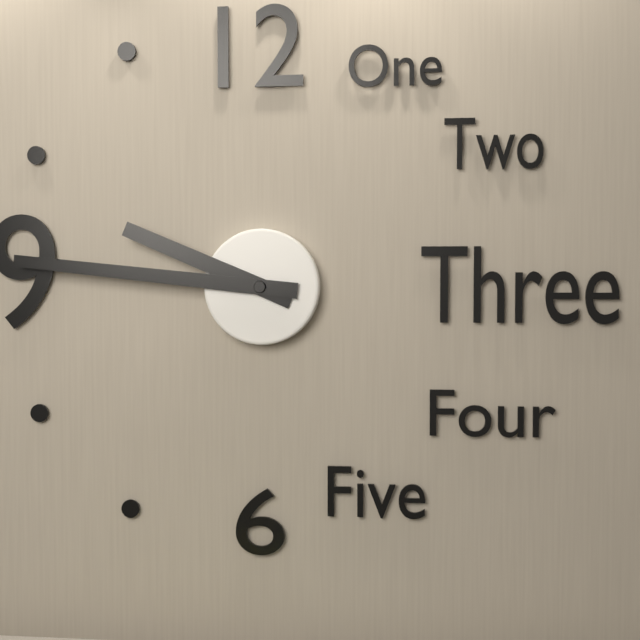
9:46
